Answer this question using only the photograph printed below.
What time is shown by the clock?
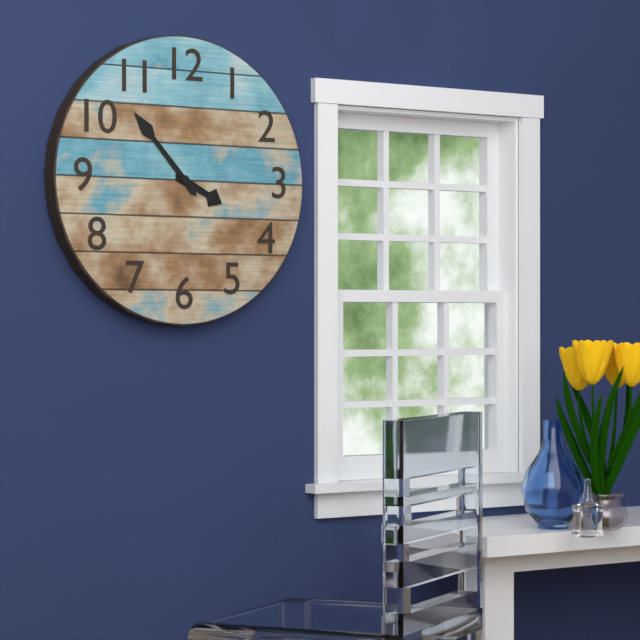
3:53
